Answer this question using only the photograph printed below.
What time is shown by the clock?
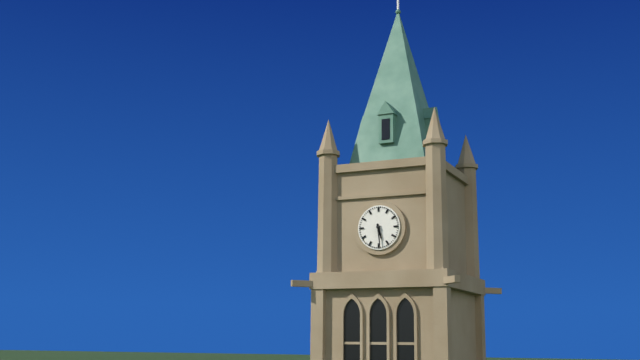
5:29
